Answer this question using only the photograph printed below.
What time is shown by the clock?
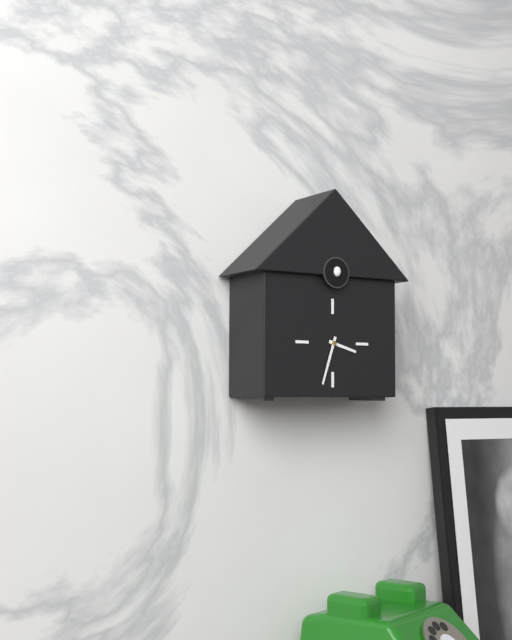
3:33
